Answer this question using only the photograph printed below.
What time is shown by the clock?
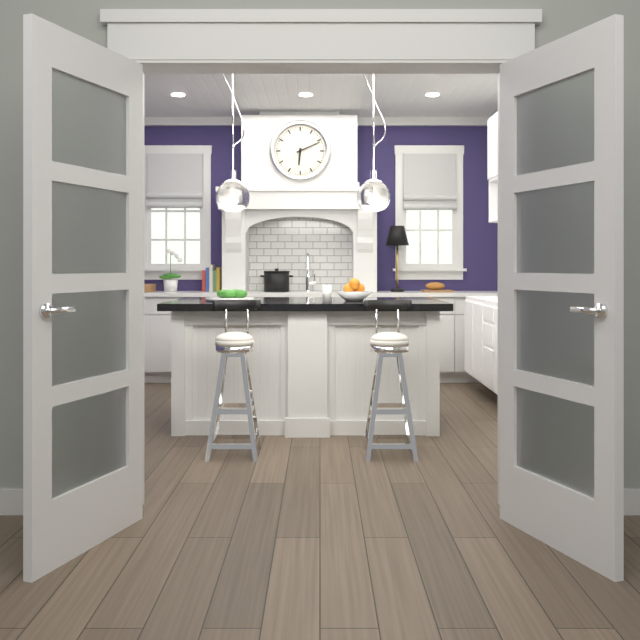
6:11
